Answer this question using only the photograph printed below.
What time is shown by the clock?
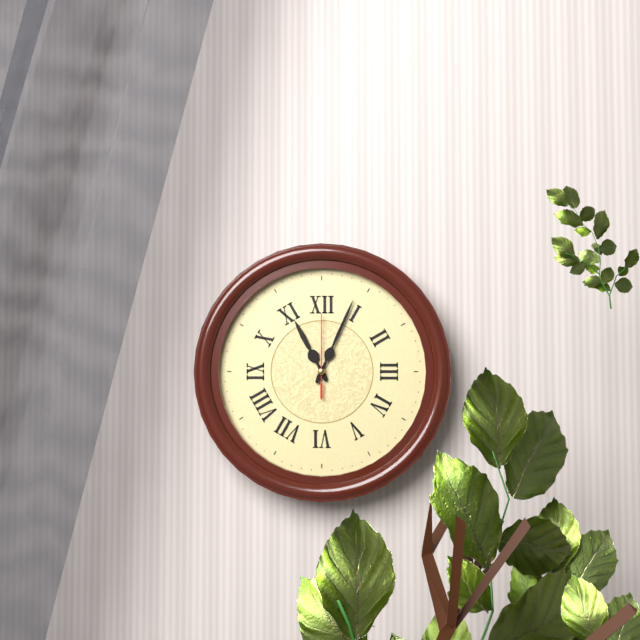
11:04:00
